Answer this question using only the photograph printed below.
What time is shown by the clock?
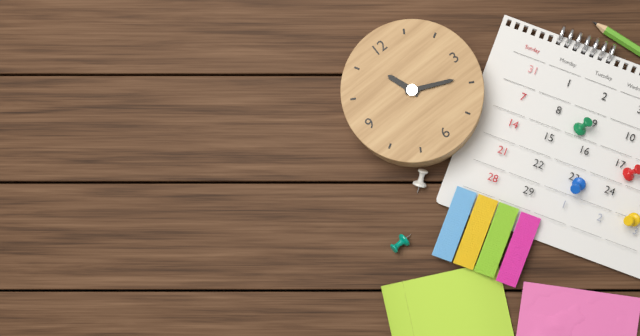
11:19
